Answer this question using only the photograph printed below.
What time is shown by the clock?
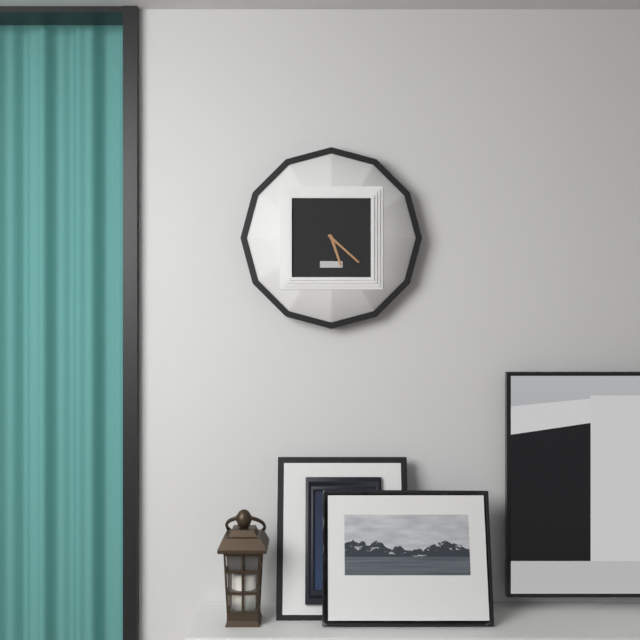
5:22
